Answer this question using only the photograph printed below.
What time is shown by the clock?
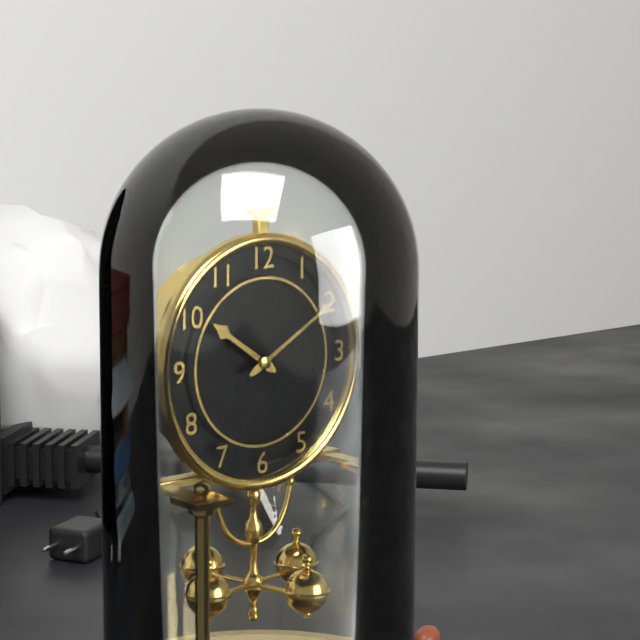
10:10
